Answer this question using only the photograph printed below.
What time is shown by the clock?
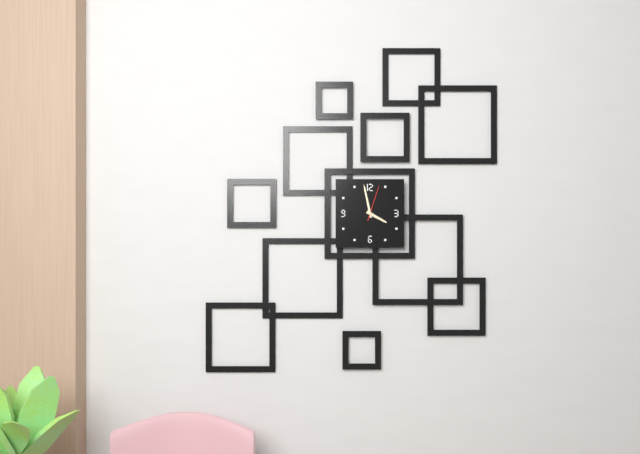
3:58
